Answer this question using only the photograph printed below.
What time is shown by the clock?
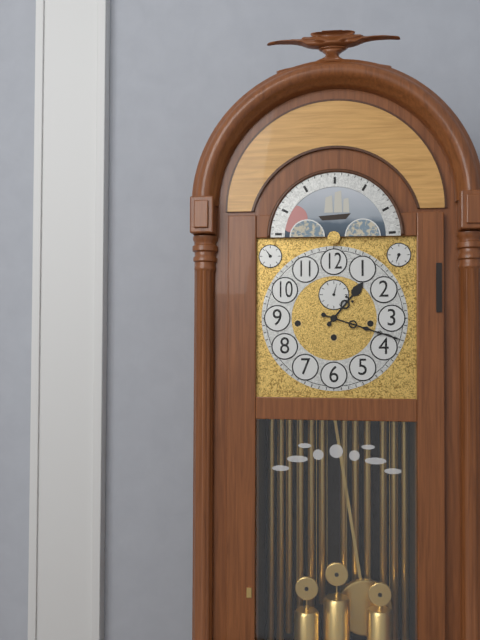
1:18
